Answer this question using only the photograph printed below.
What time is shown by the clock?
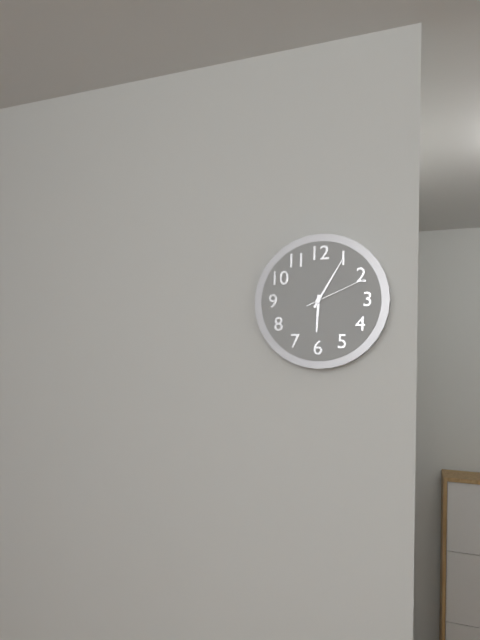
6:05:11
